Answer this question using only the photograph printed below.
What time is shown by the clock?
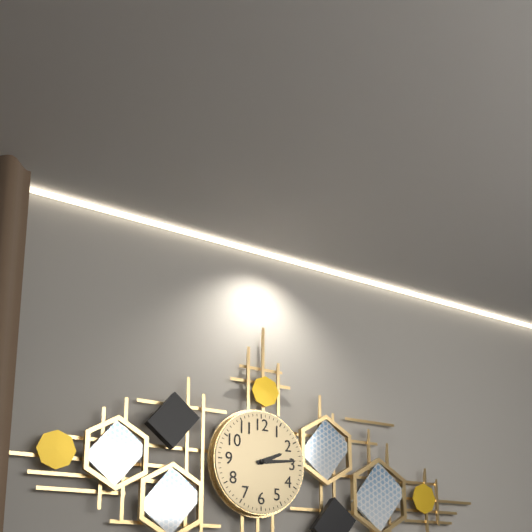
2:14
